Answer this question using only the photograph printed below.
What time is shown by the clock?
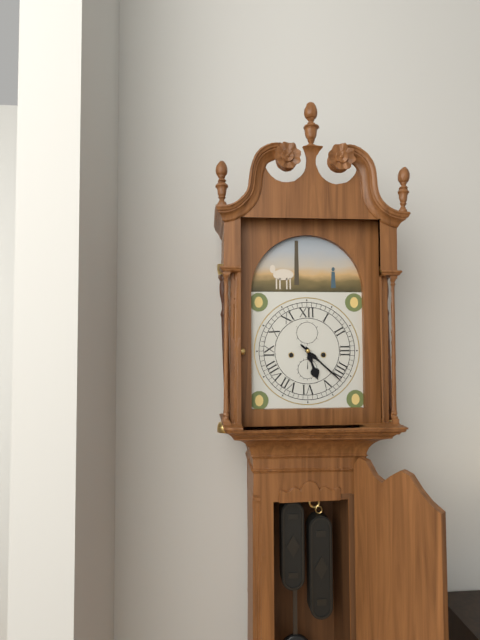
5:22
